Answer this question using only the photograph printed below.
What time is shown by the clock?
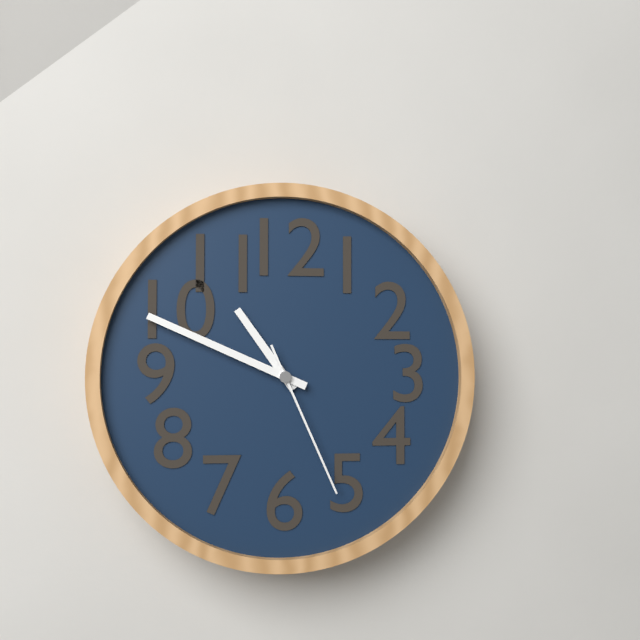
10:49:26
